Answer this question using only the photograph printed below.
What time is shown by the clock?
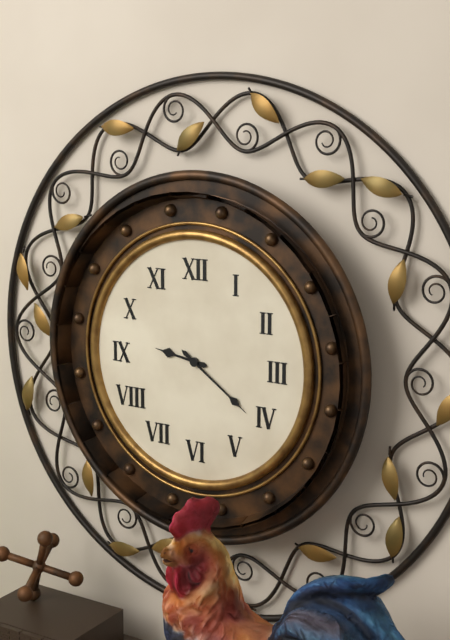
9:21
